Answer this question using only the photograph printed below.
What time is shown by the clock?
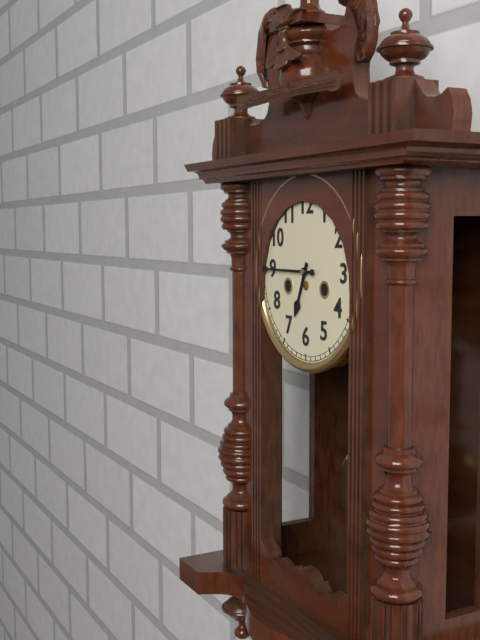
6:45
